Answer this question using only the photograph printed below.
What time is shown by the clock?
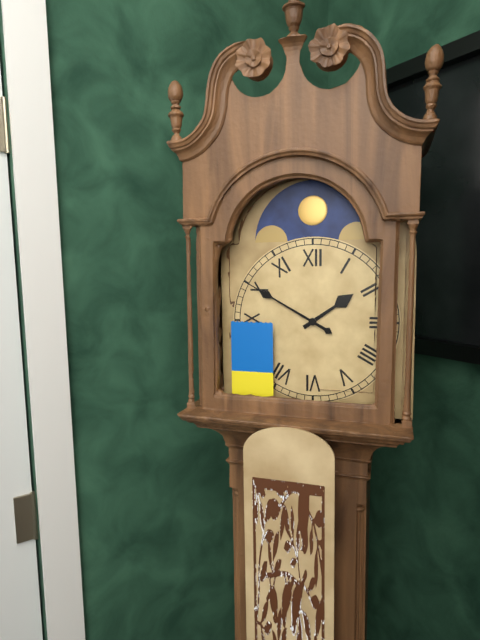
1:50
